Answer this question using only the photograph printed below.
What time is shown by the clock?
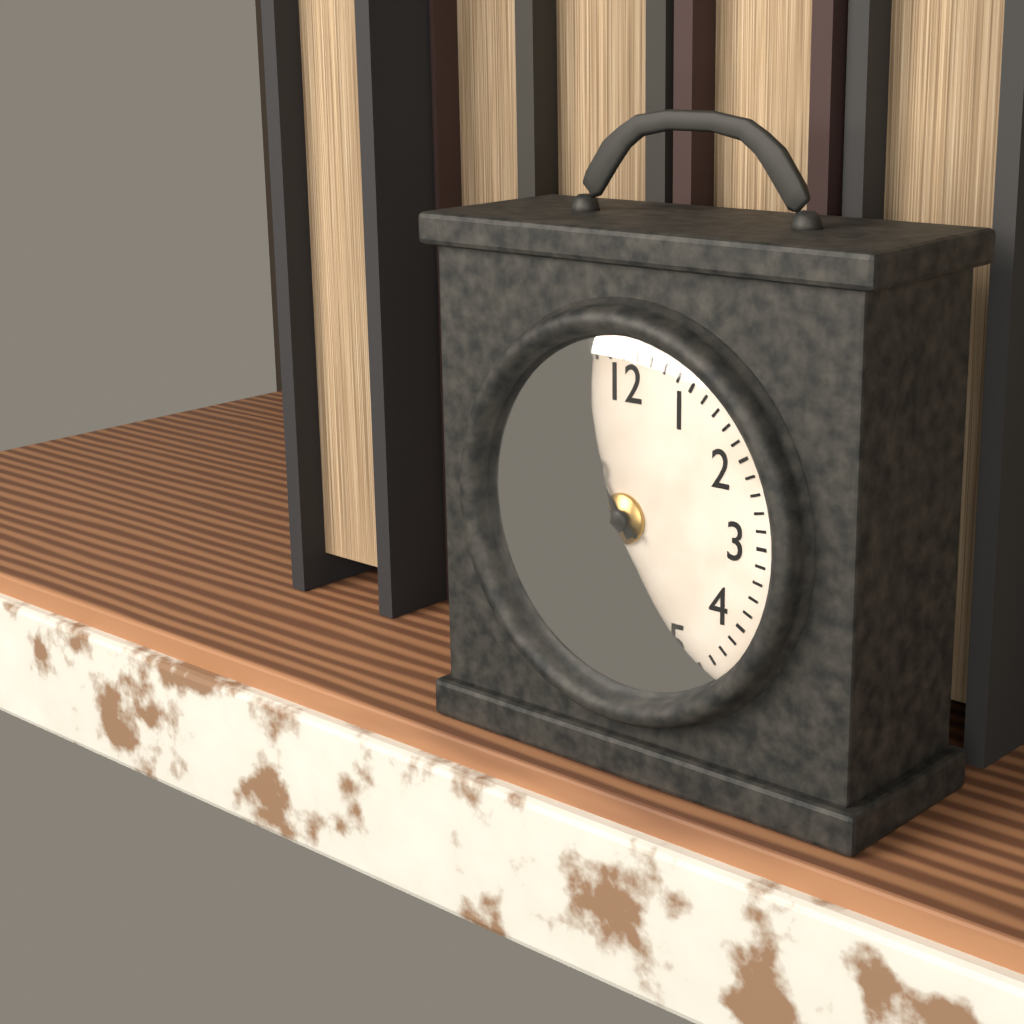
10:50
